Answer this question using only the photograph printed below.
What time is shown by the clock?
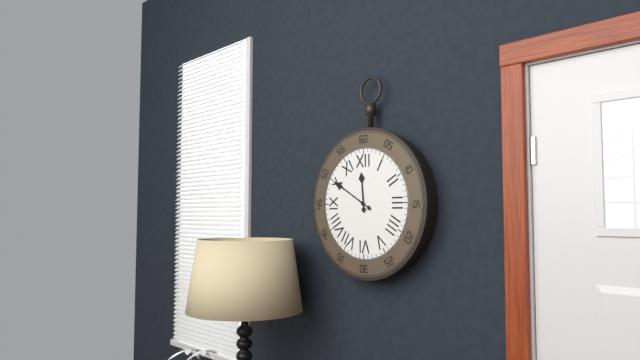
11:50
